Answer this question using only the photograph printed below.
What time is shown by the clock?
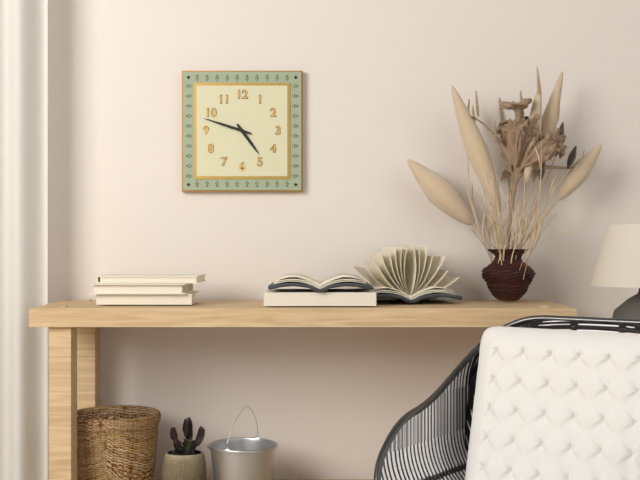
4:48
